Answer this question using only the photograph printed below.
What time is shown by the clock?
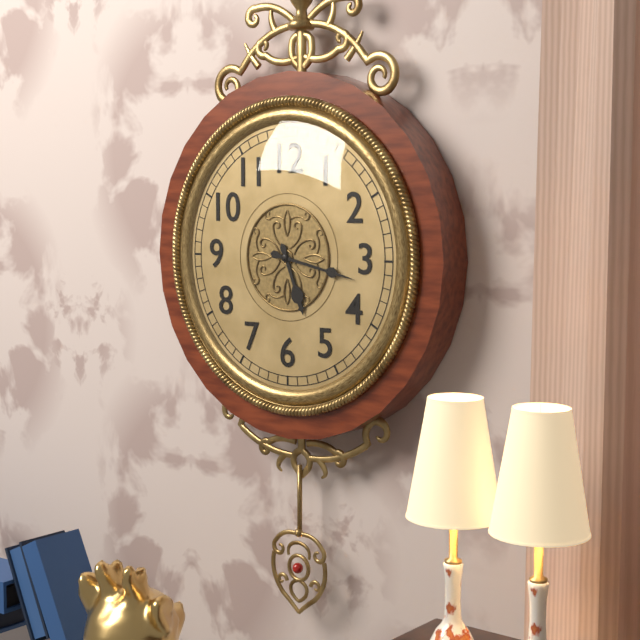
5:17
